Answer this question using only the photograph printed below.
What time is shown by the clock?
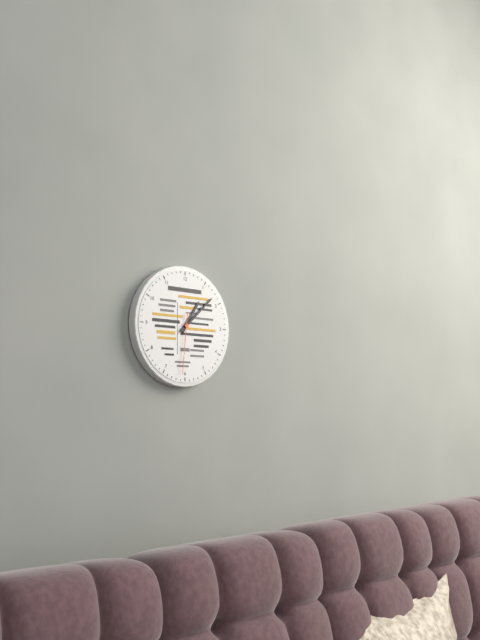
1:08:31
